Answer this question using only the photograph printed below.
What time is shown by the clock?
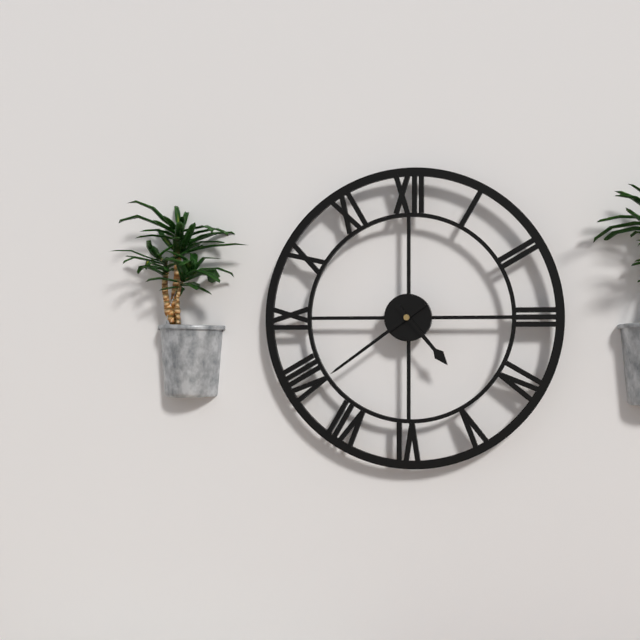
4:39
